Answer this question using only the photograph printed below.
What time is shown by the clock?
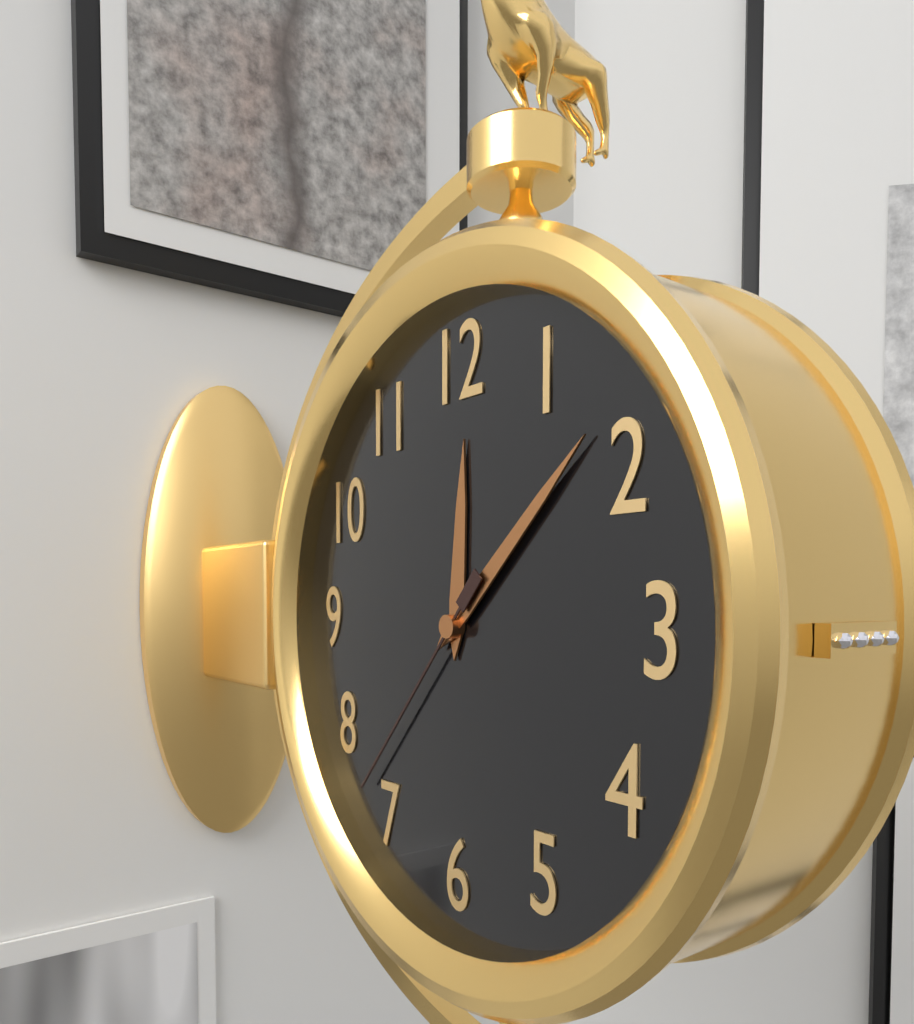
12:08:37
